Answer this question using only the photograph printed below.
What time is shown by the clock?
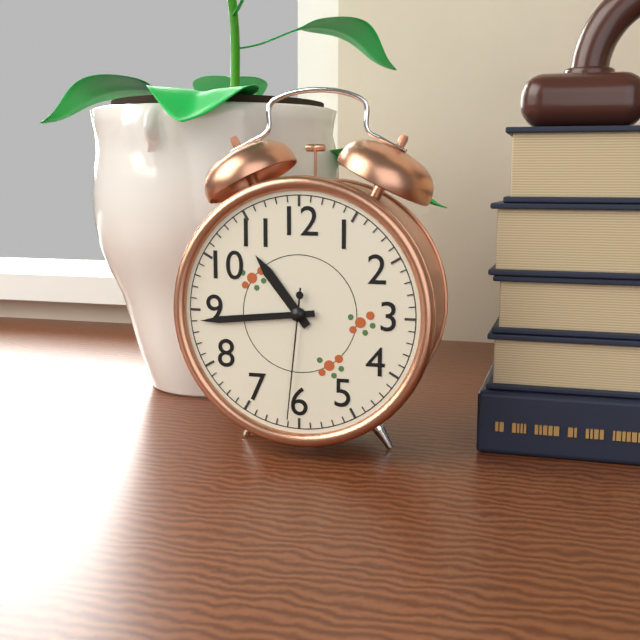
10:44:31
